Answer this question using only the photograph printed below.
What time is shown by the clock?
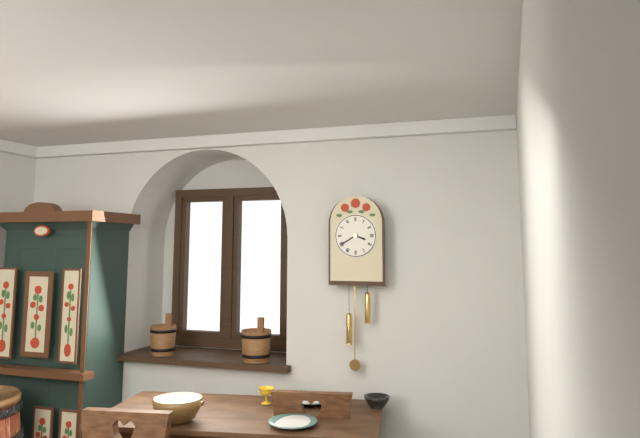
3:40
